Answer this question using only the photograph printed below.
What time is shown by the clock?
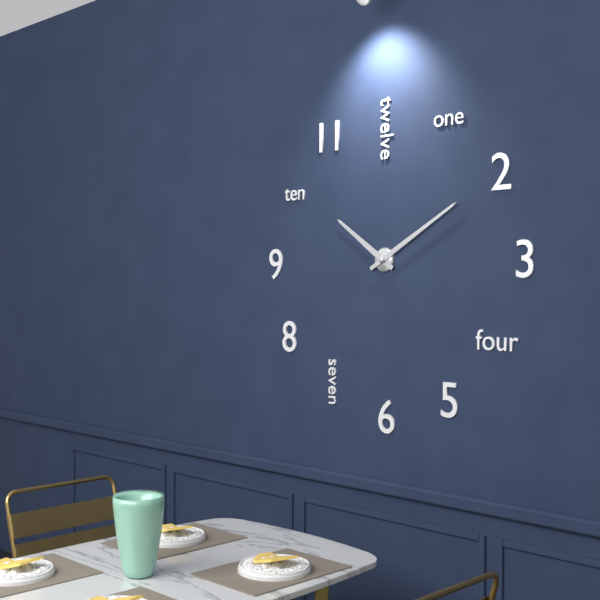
10:10
